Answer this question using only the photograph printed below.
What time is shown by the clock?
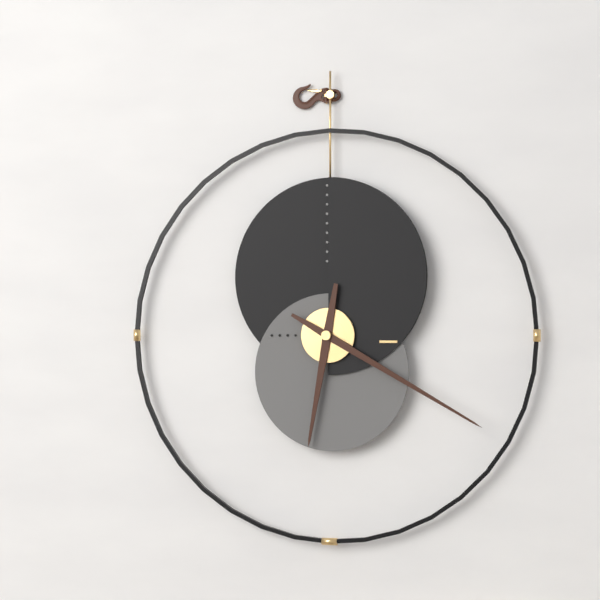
6:20
